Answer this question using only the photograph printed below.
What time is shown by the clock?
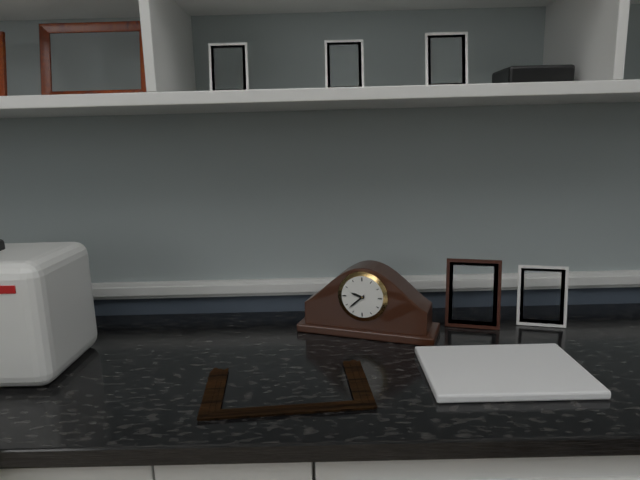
9:38
